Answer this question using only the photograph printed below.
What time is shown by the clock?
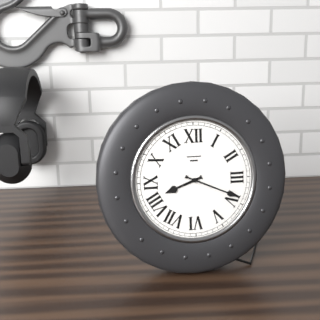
8:19
